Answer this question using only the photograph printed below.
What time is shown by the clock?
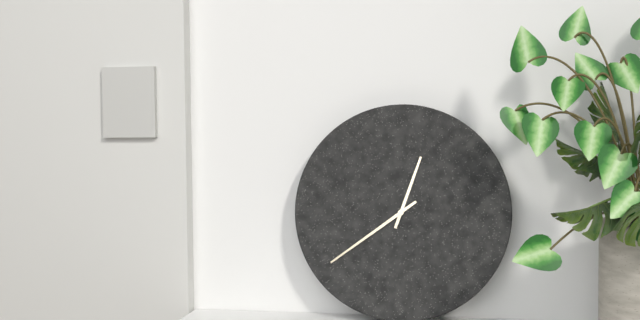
12:39
